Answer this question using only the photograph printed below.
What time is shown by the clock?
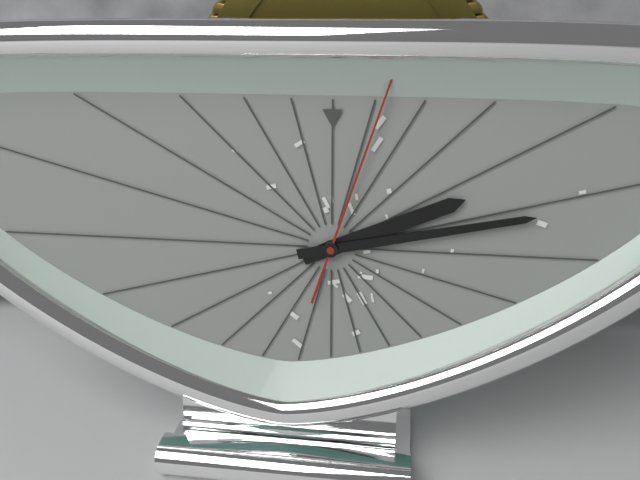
2:13:03
